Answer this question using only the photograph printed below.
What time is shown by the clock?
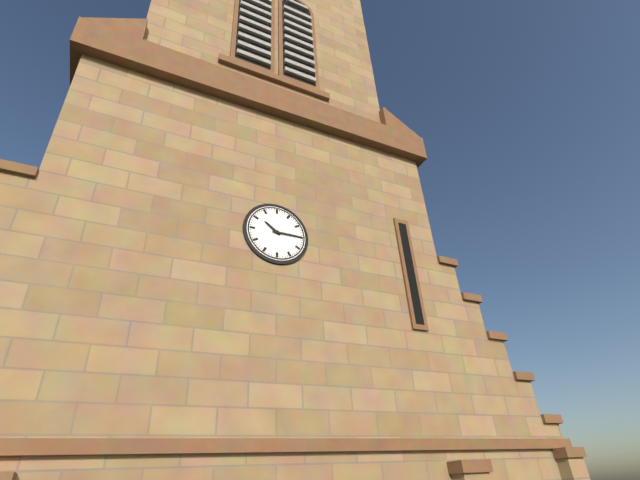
10:15
